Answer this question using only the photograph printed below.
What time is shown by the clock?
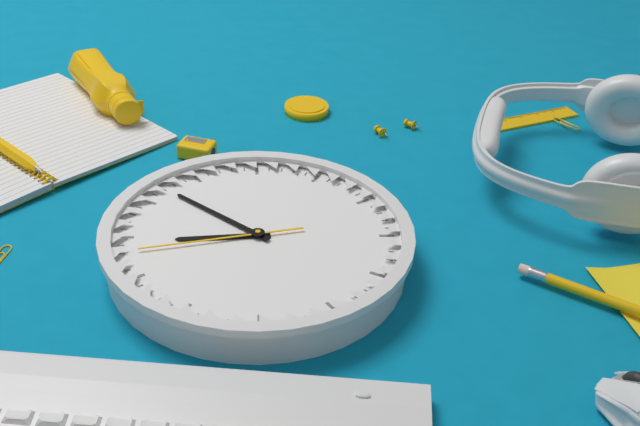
8:52:43
